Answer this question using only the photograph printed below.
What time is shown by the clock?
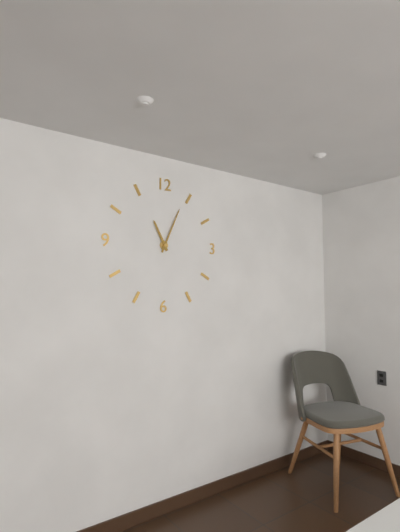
11:04
